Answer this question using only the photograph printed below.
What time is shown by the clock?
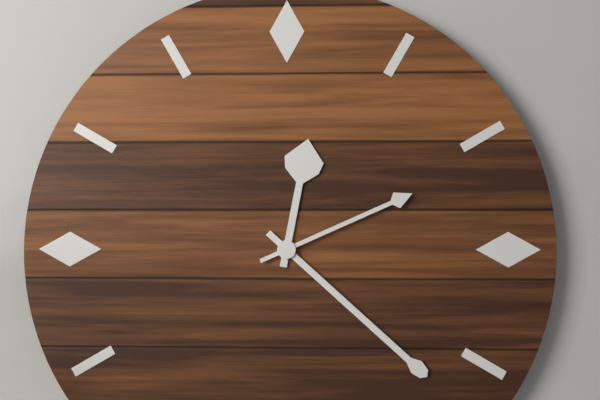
12:22:11
